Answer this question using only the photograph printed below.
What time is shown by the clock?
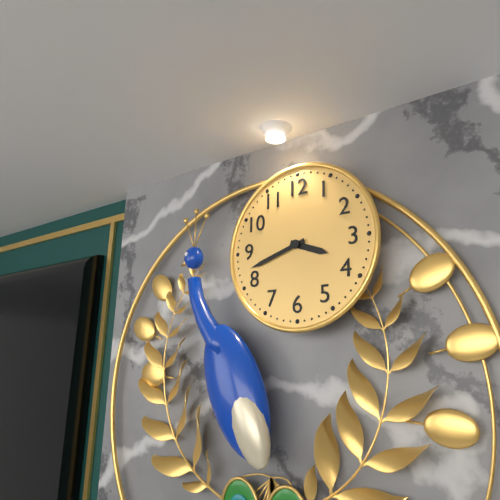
3:42
